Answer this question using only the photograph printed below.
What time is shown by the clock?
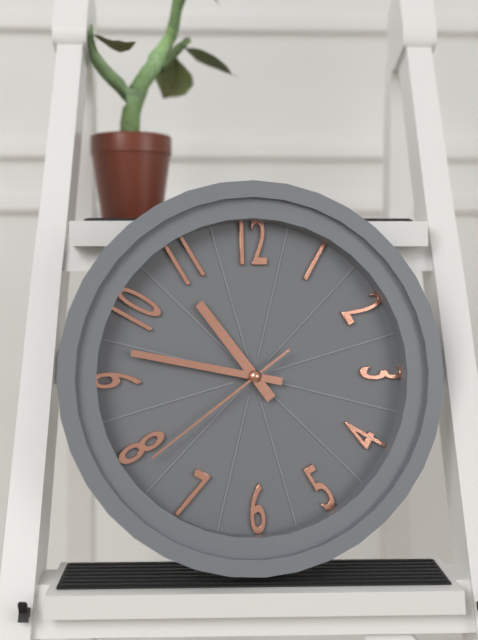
10:47:39
